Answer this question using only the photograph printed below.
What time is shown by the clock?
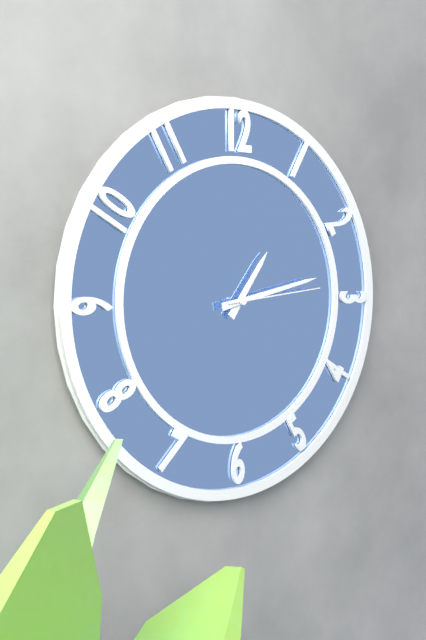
1:13:14
